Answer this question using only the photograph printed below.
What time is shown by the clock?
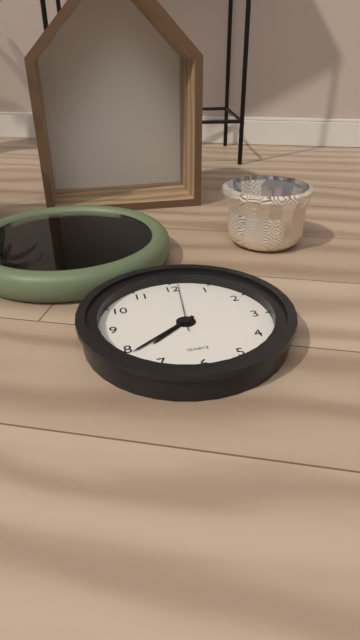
7:39:01
